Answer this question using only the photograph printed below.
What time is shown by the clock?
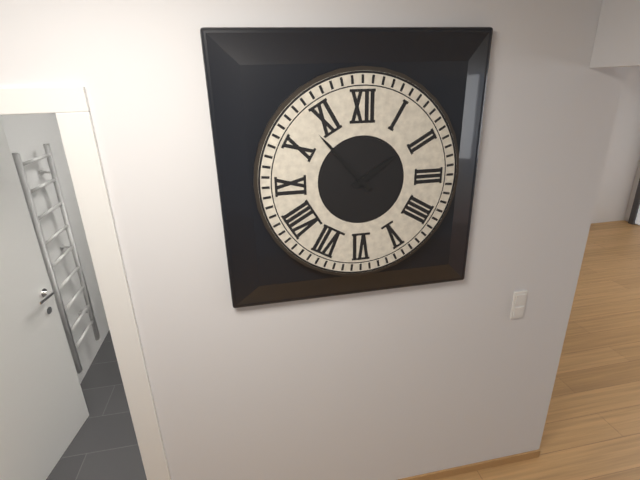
1:53
